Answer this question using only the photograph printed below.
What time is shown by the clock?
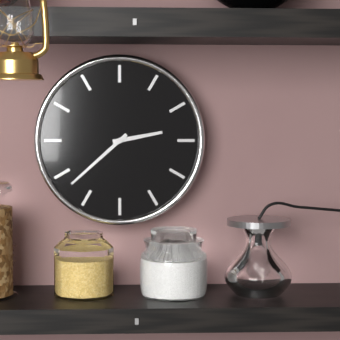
2:38
